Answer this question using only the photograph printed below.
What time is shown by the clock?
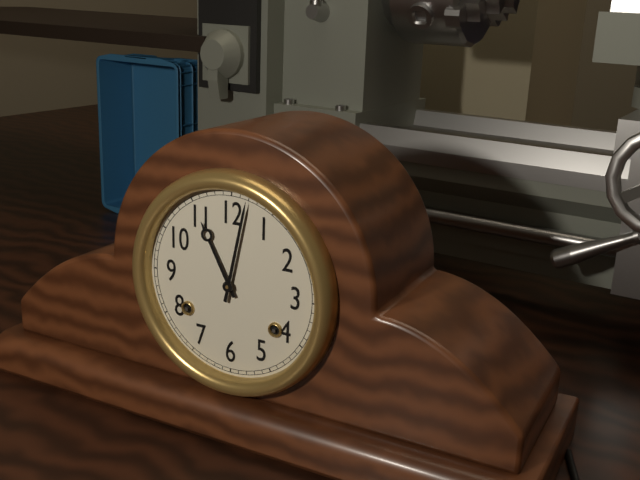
11:02
